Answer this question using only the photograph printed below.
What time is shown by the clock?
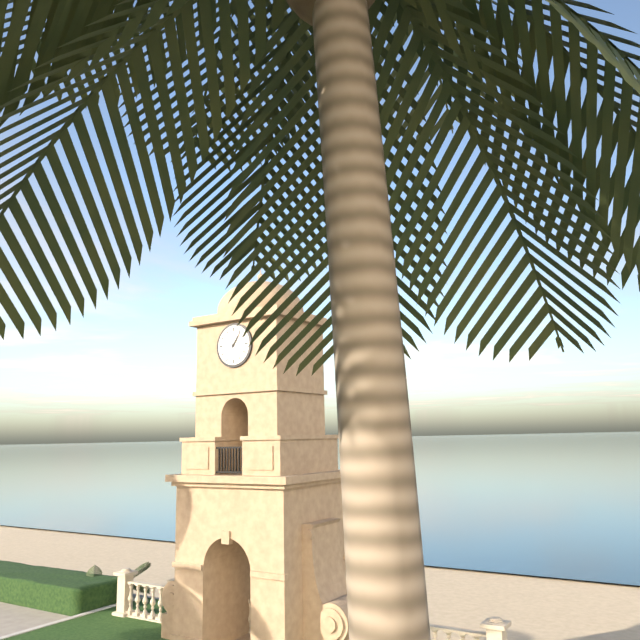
1:06
